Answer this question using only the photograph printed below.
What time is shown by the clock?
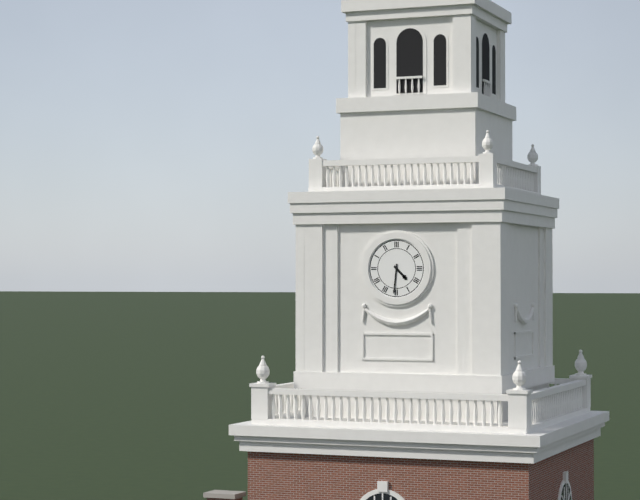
4:31
